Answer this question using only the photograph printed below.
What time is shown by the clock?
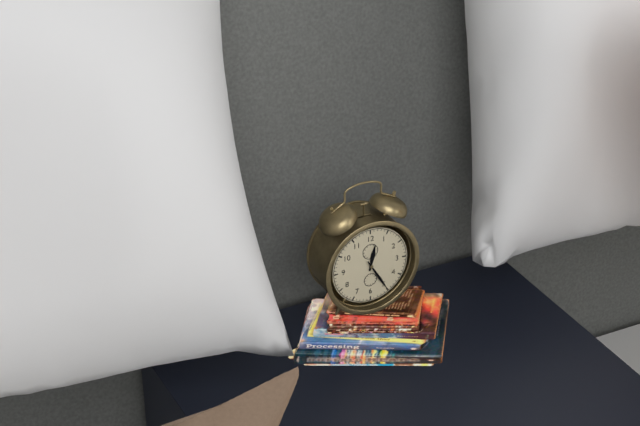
12:25
